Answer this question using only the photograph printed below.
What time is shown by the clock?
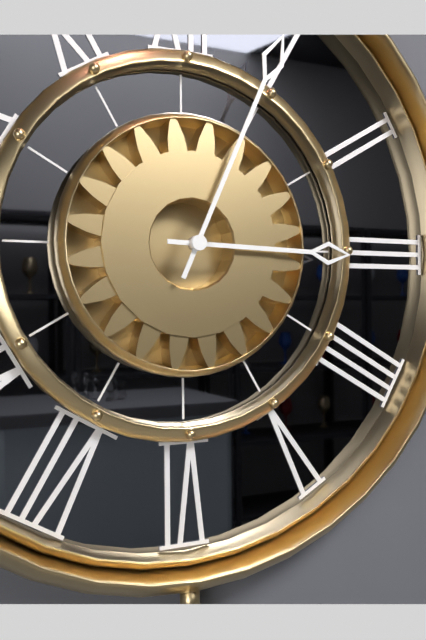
3:04
